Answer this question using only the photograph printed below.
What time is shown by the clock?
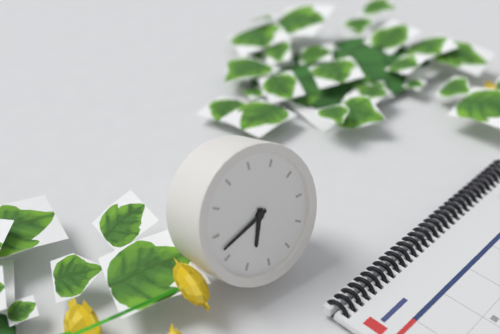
6:42
